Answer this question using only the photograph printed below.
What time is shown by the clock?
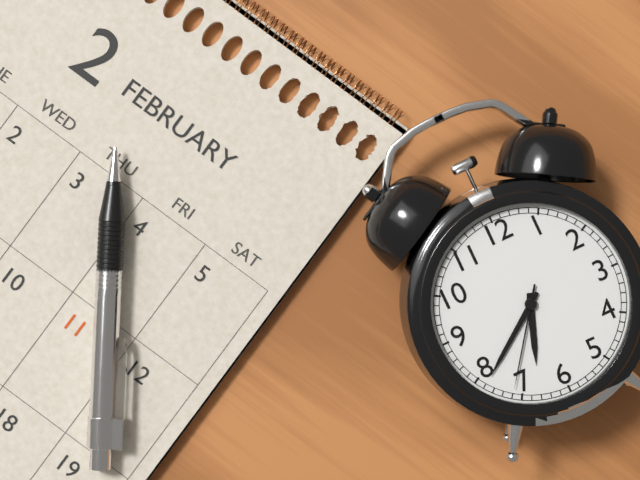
6:39:36
